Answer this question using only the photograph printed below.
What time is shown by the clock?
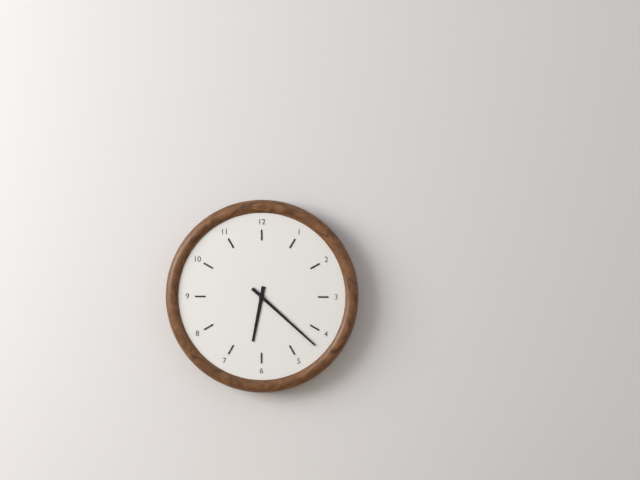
6:22
